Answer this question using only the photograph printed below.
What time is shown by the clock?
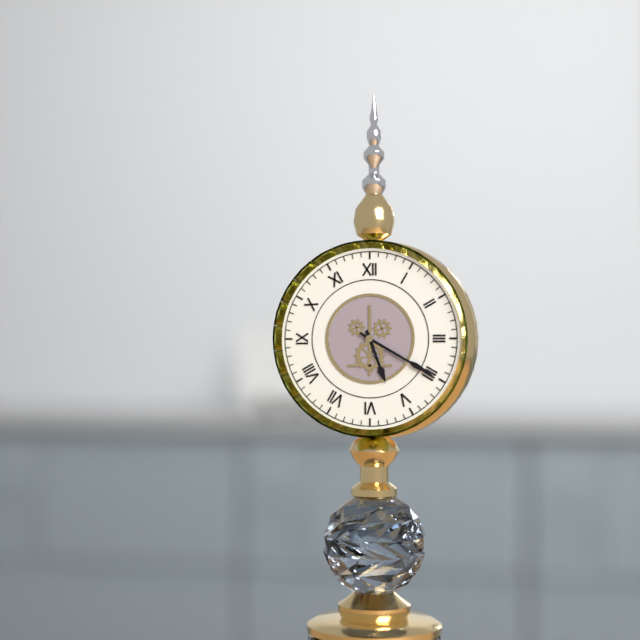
5:20
